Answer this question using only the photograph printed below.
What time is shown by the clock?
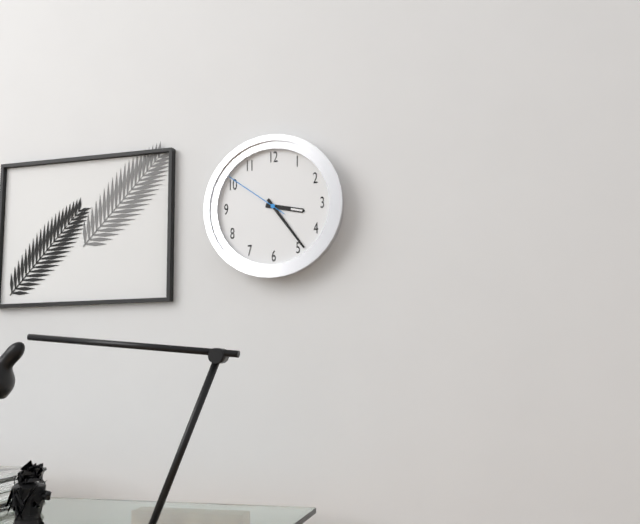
3:24:51
